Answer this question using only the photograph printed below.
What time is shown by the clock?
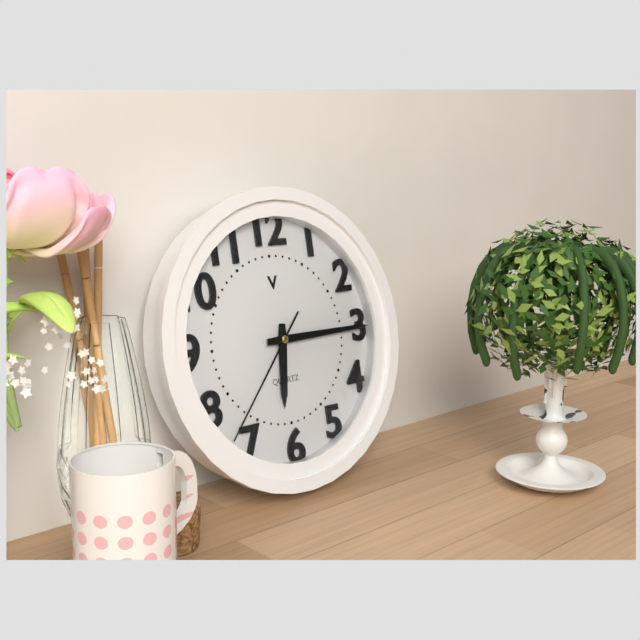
6:15:37
